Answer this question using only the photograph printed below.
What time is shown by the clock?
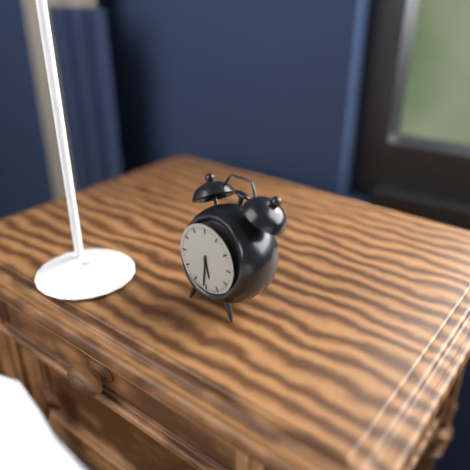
5:31
